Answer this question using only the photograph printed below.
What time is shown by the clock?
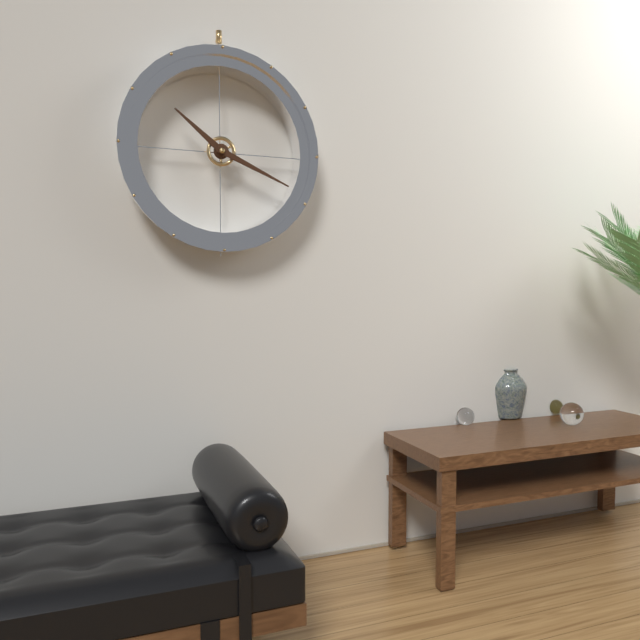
10:19
